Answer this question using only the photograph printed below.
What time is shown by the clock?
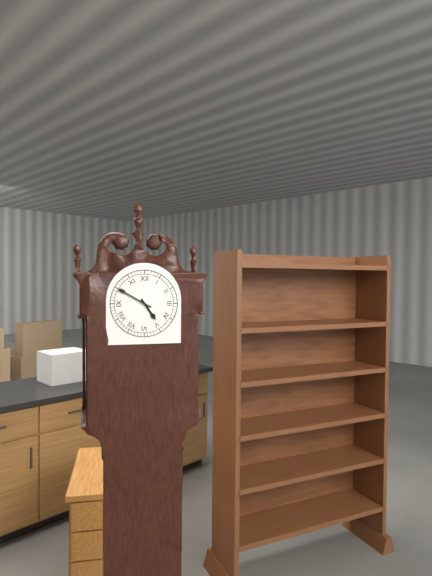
4:50
